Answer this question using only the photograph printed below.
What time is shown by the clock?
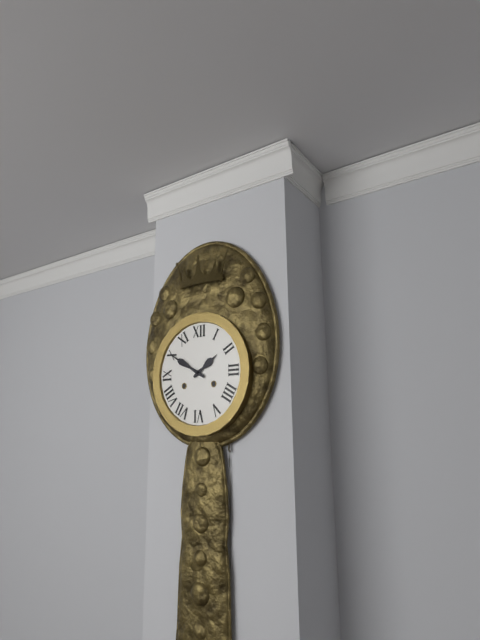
1:50
